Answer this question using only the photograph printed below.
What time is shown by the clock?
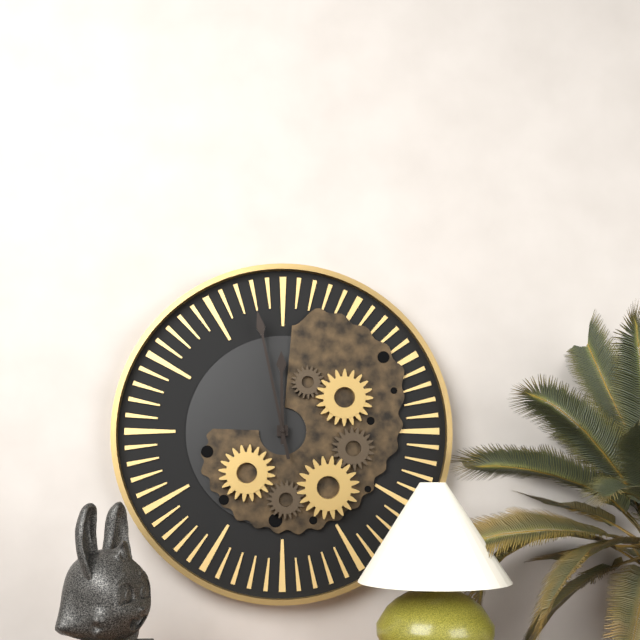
11:58
